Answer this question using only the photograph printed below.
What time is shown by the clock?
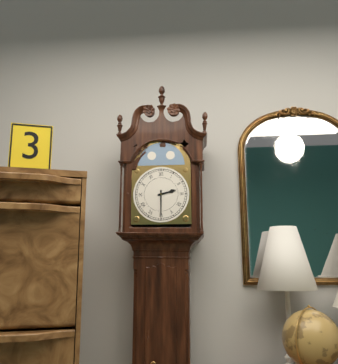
2:30
